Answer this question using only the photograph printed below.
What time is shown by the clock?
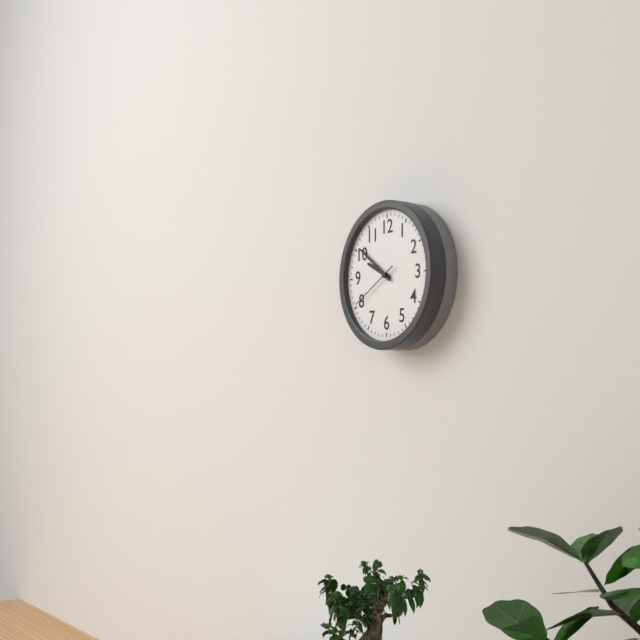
9:51:40
